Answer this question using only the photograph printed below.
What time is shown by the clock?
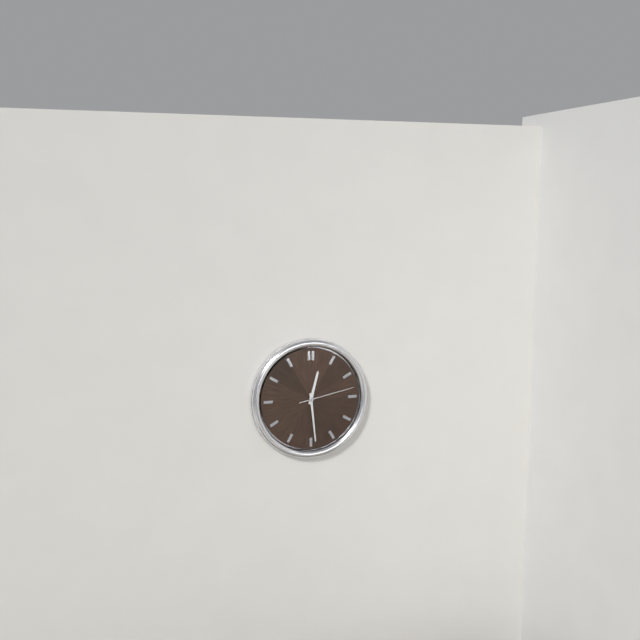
12:29:13
